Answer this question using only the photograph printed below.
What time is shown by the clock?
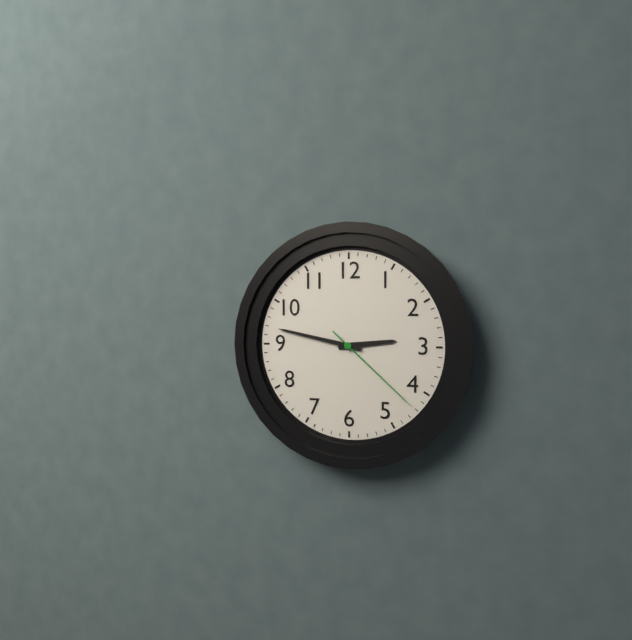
2:47:22
